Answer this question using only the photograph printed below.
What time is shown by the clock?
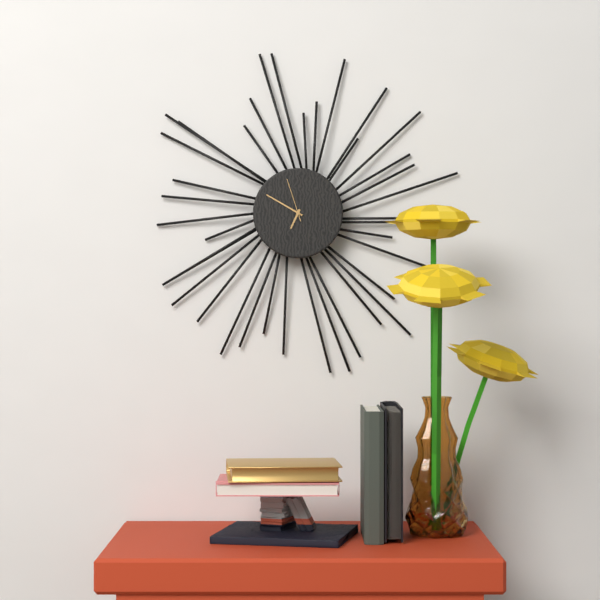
6:50
